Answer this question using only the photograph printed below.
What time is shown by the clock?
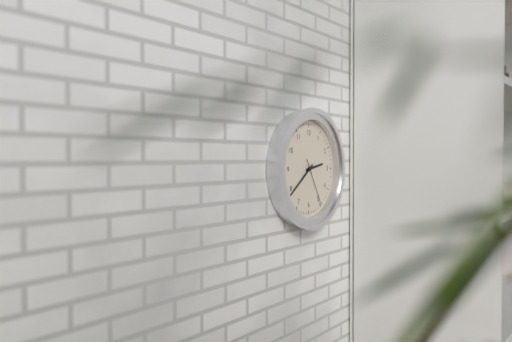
2:39
